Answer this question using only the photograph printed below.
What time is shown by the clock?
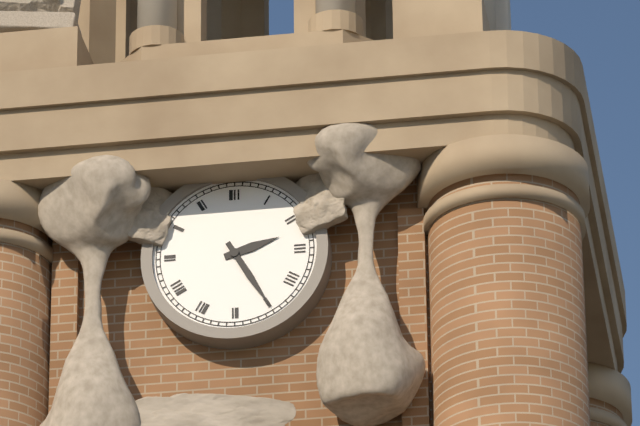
2:25
